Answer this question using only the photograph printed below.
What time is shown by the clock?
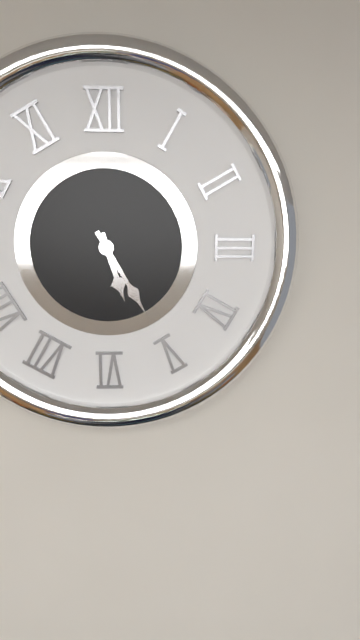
5:25
